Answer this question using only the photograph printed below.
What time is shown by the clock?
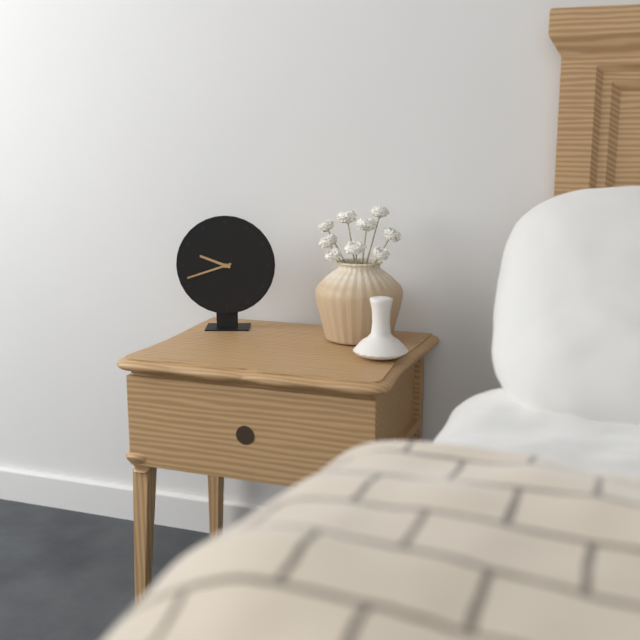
9:42
